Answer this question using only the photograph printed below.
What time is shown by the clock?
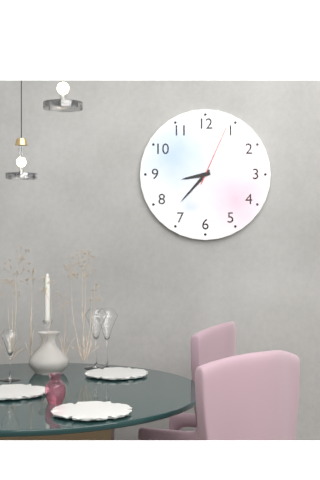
8:37:04
